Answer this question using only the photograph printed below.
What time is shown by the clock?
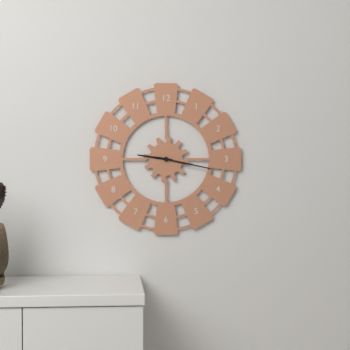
9:17
